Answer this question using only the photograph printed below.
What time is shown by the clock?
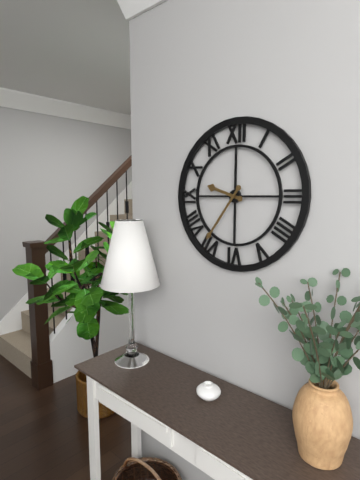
9:36
